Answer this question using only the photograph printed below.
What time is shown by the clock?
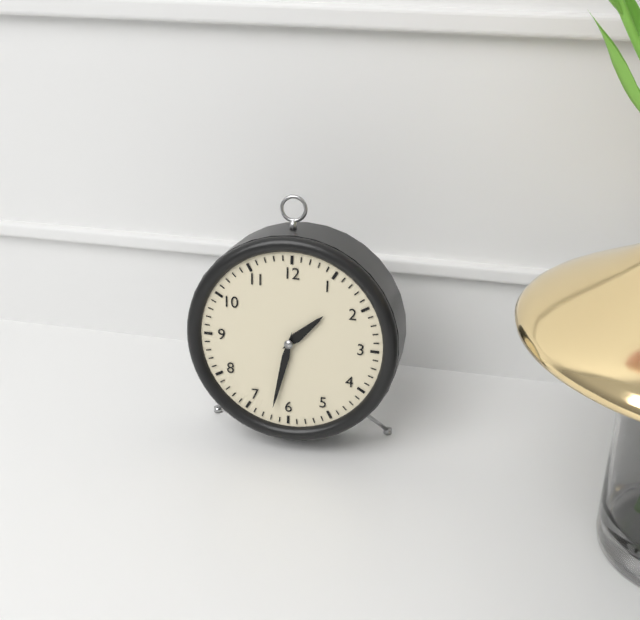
1:32
